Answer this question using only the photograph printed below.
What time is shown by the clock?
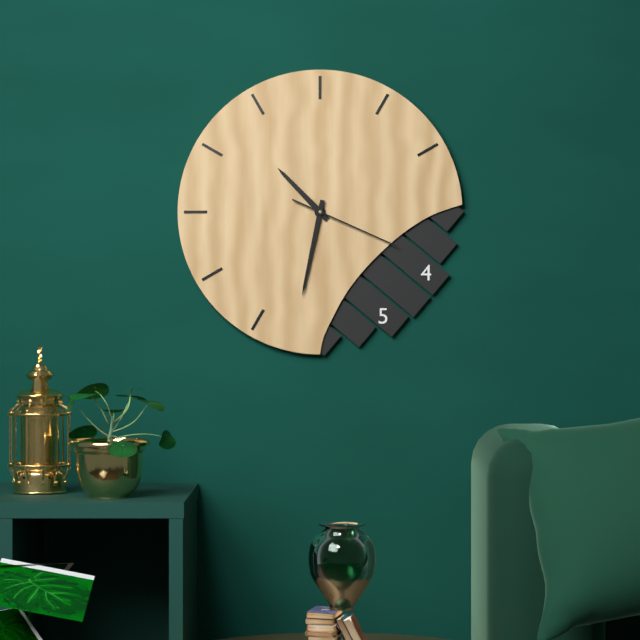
10:32:19
